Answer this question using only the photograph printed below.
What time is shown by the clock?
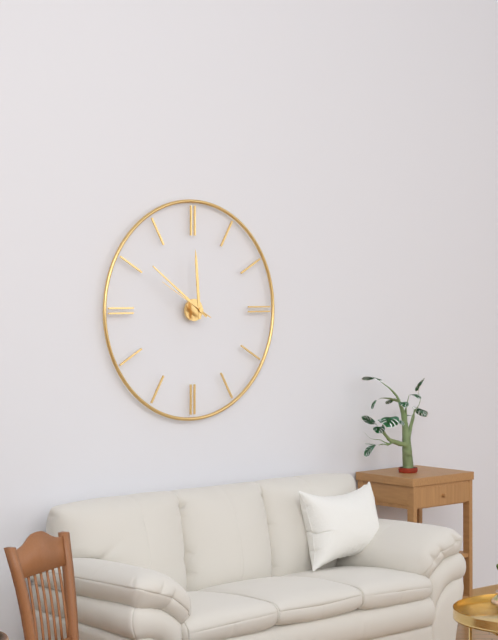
11:51:50
